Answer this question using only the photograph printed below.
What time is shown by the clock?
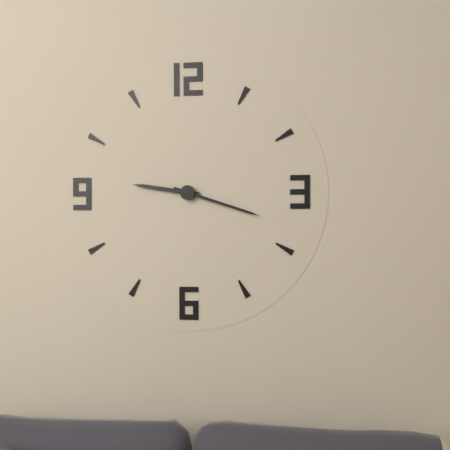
9:18
